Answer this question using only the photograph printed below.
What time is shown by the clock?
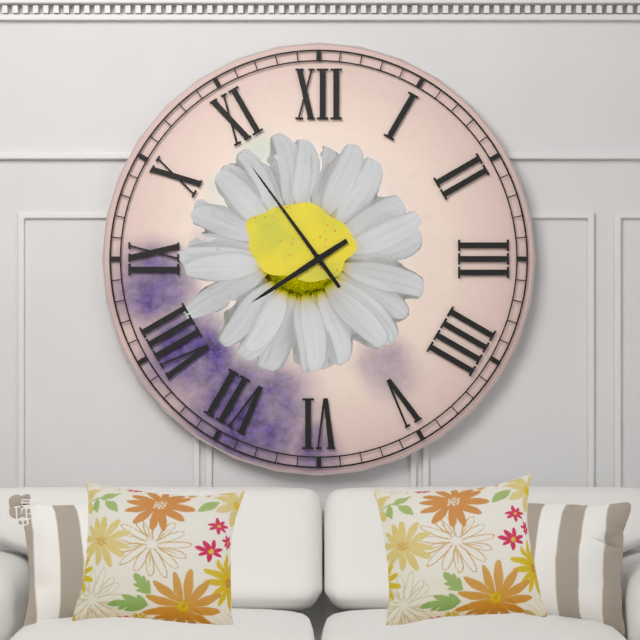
7:54
